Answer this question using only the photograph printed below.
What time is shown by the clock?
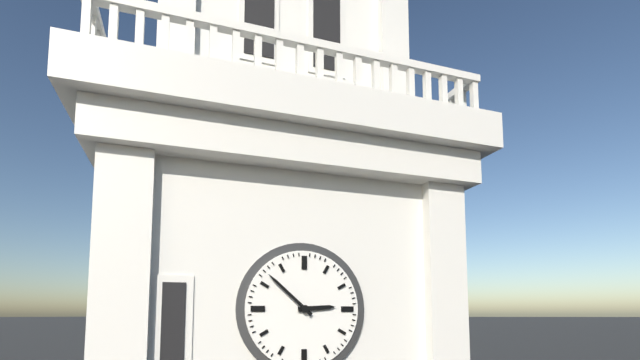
2:52
